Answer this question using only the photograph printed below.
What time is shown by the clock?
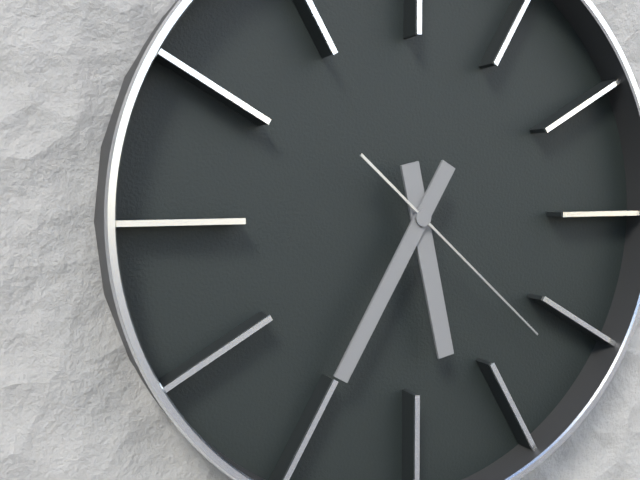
5:35:22
